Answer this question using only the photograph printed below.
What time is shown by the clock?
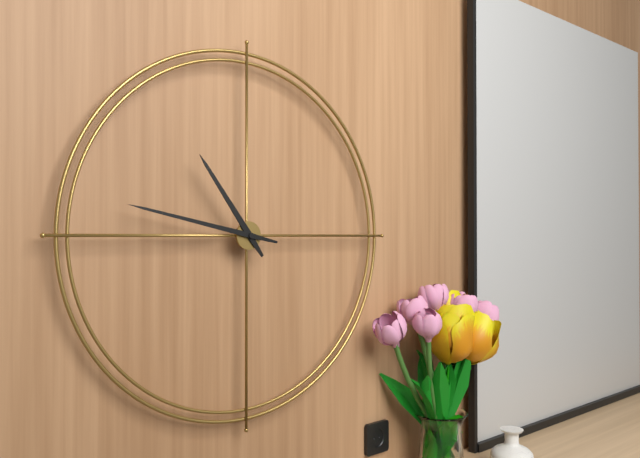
10:47
